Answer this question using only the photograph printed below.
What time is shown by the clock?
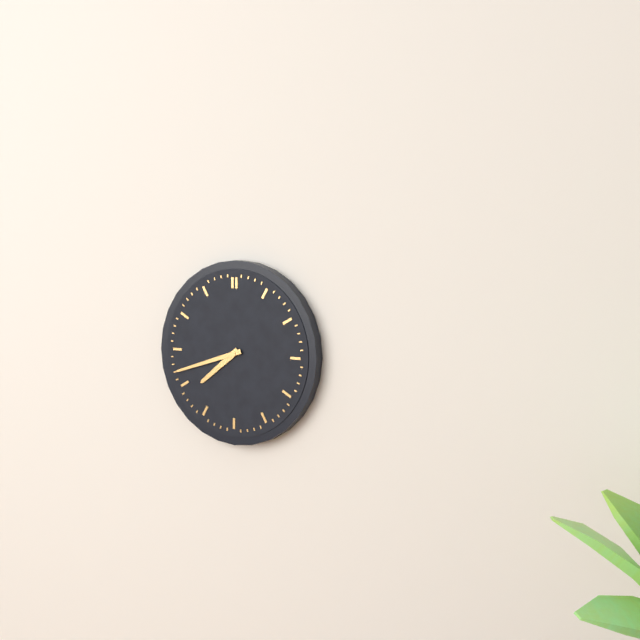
7:42
